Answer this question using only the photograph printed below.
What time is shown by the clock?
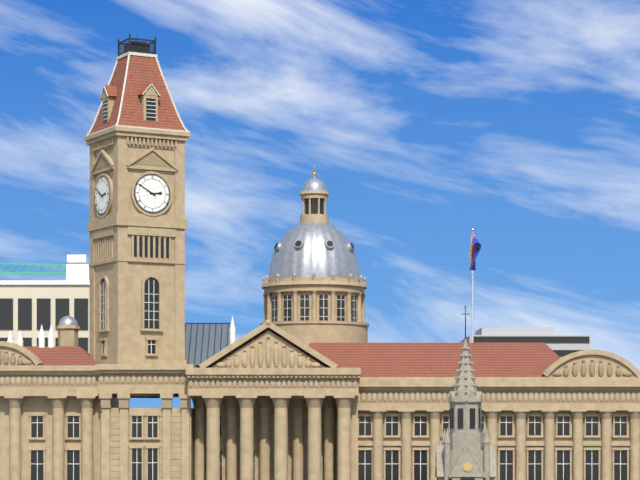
2:50
